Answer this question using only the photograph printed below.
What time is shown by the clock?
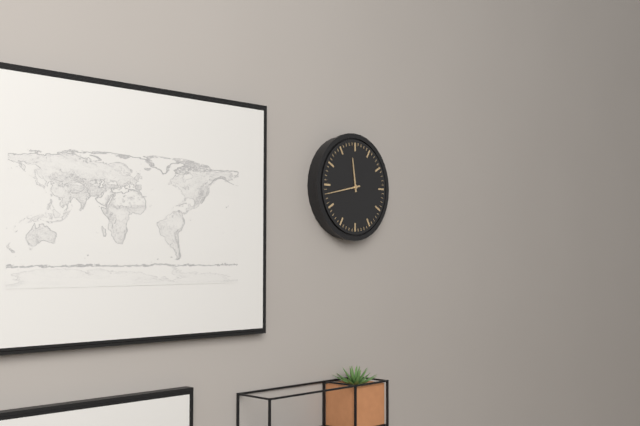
11:43
